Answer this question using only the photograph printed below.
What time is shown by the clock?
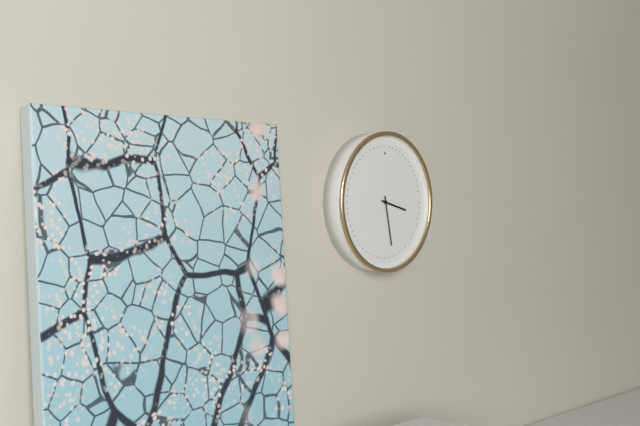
3:28
